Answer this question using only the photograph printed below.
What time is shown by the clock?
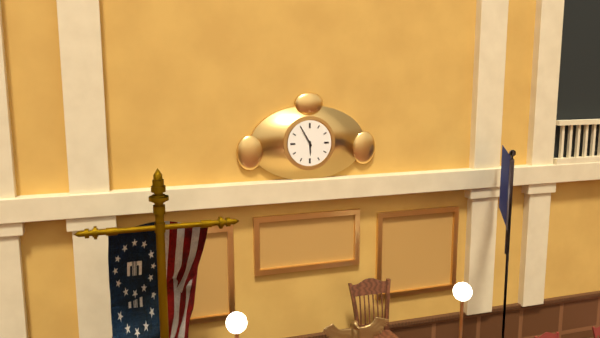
5:55
